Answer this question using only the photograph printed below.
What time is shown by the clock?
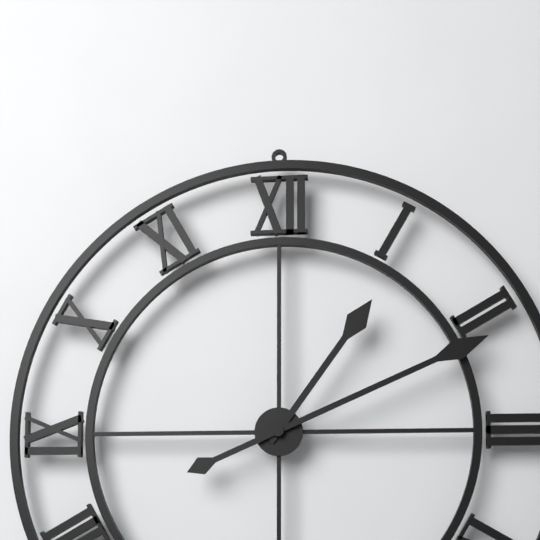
1:11
